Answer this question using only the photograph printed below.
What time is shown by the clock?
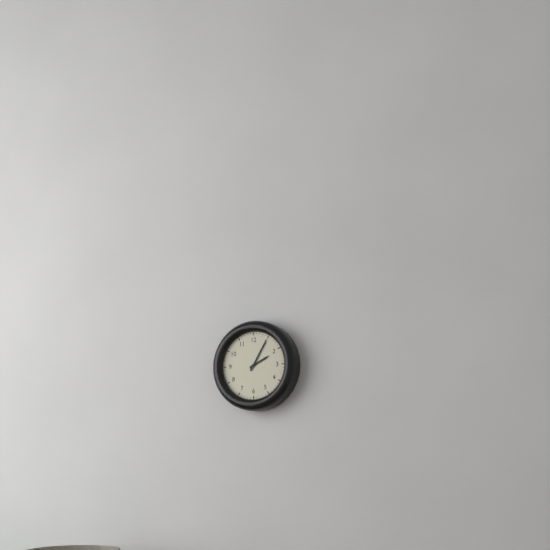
2:05
